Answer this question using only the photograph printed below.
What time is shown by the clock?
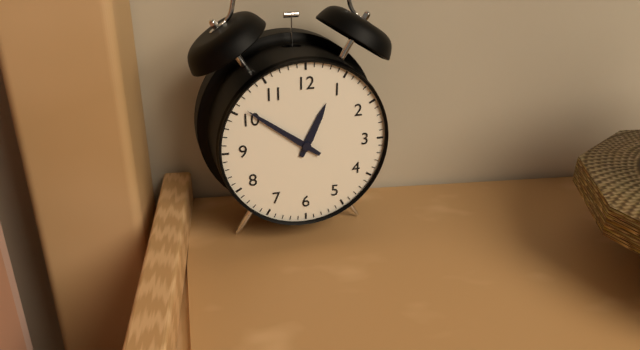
12:51
